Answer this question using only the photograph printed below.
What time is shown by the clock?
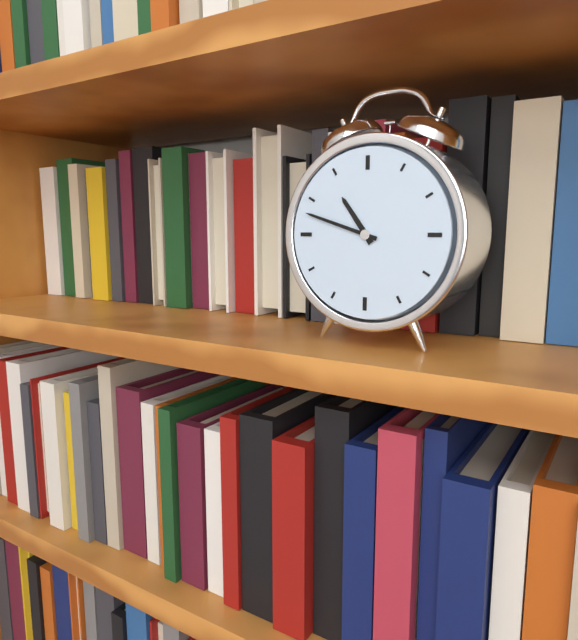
10:48
